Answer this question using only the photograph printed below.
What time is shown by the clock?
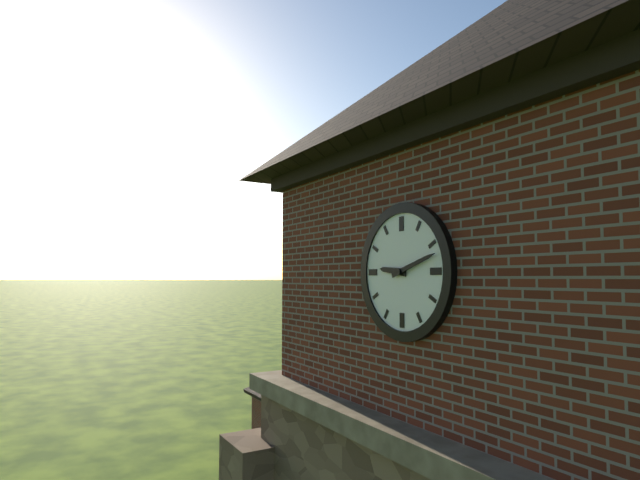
9:12
